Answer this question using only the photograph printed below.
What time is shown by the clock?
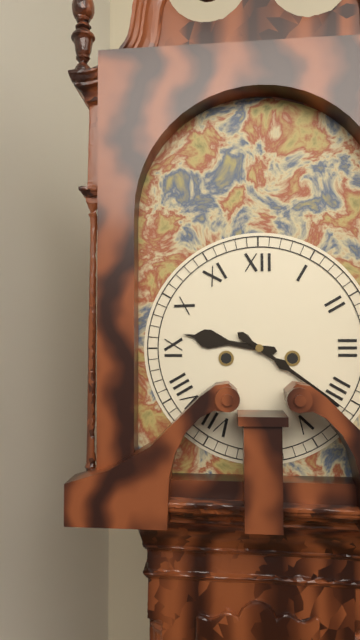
9:21
